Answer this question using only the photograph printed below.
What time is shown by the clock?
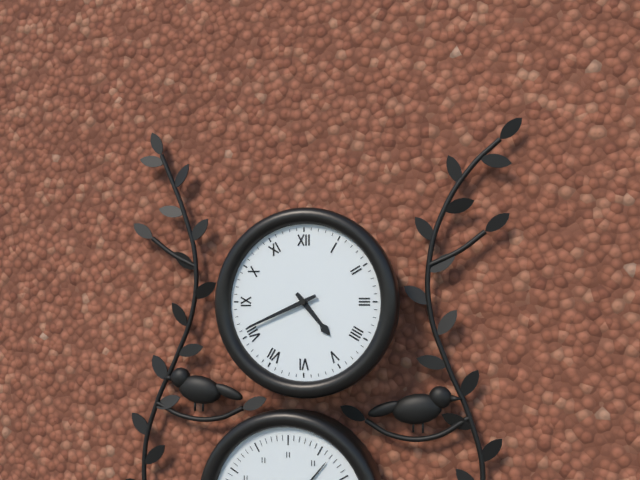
4:41
